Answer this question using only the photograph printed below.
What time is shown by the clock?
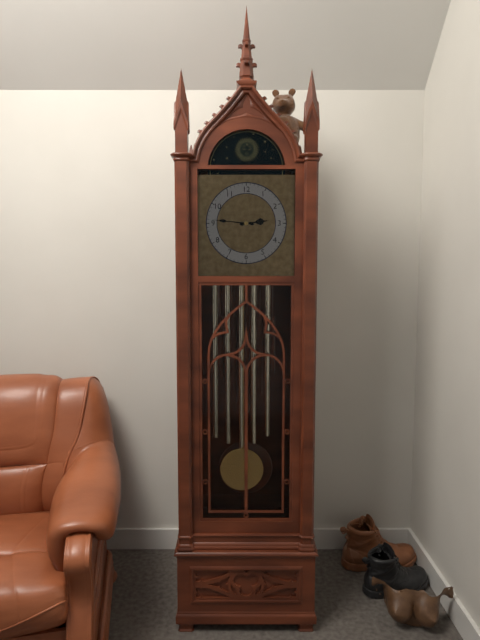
2:46
